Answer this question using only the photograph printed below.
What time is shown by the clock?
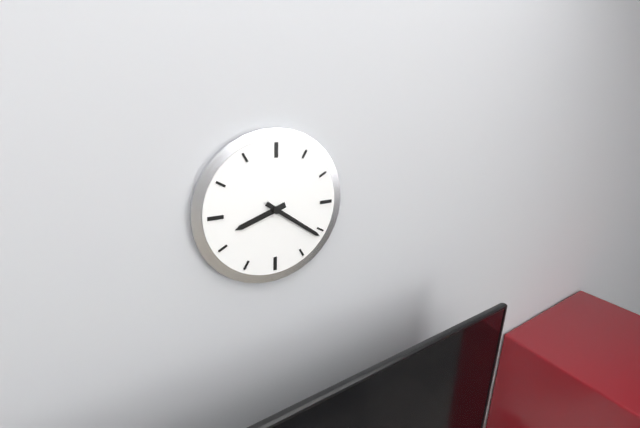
8:21
